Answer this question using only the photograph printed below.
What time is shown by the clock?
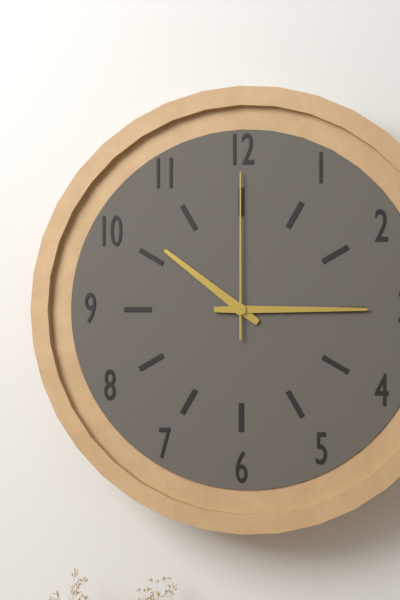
10:15:00
